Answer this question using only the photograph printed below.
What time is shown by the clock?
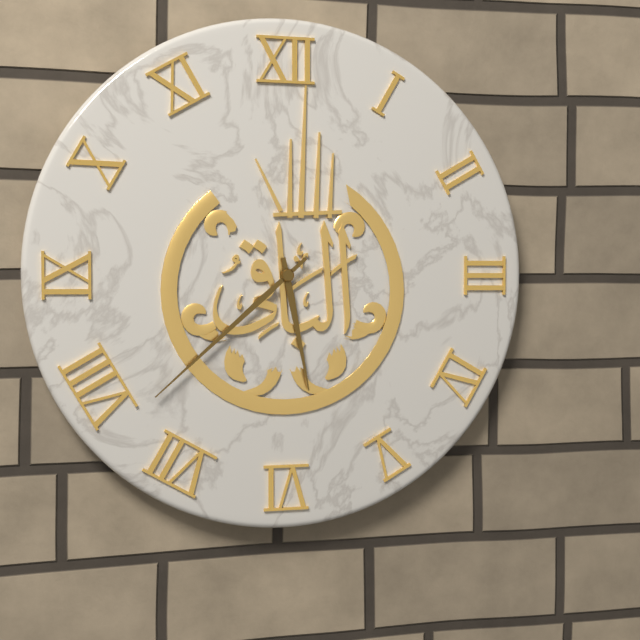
5:38
